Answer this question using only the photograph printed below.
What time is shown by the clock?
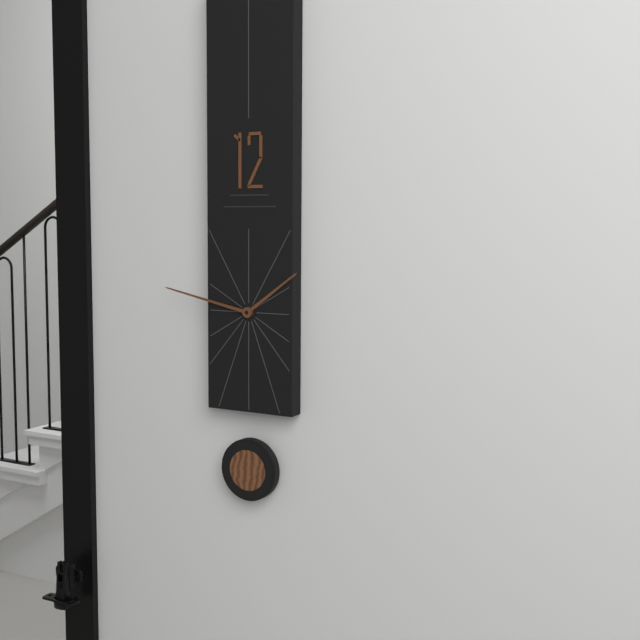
1:47
